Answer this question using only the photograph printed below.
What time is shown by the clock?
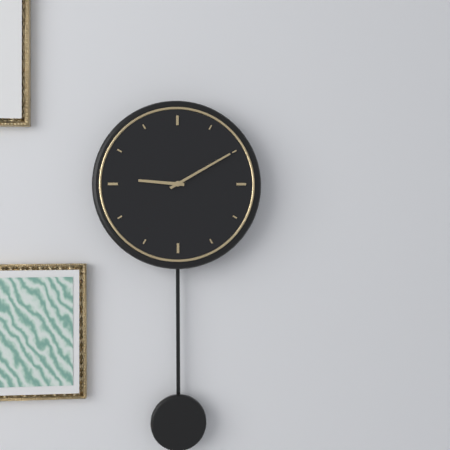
9:10
